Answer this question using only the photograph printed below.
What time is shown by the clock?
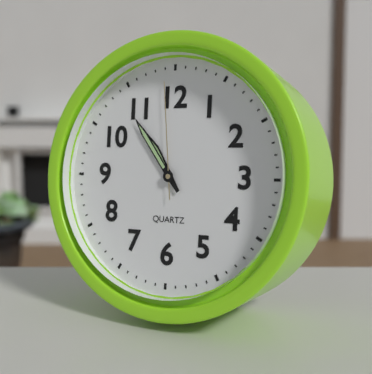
10:54:59
